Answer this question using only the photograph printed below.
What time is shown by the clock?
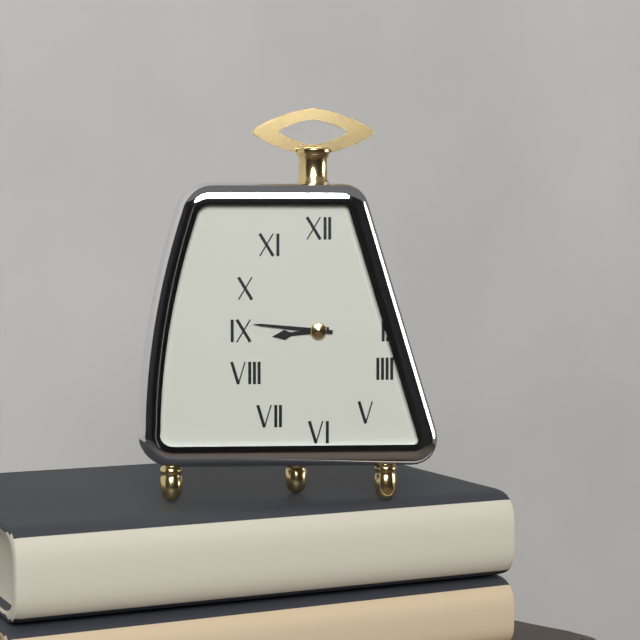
8:46
